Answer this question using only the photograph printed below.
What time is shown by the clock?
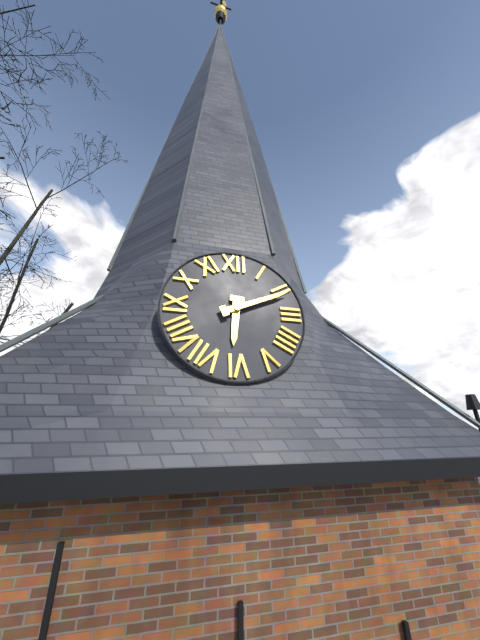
6:11
